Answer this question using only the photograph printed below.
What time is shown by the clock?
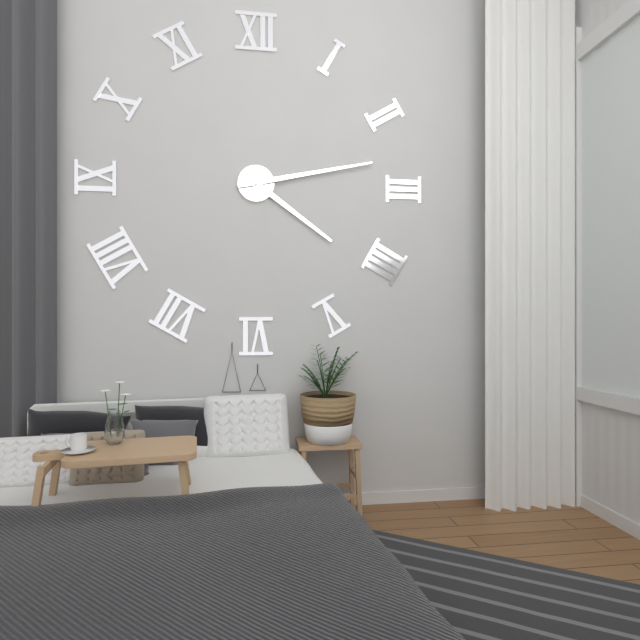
4:13
